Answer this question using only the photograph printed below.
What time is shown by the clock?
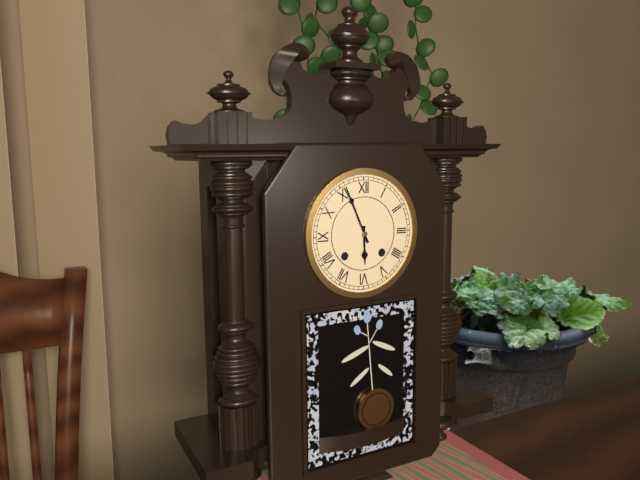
5:56
